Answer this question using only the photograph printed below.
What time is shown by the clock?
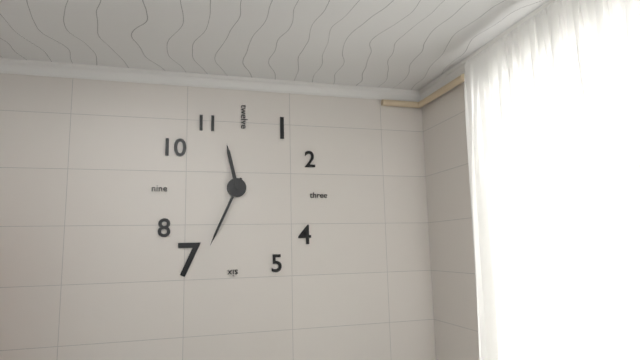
11:34
